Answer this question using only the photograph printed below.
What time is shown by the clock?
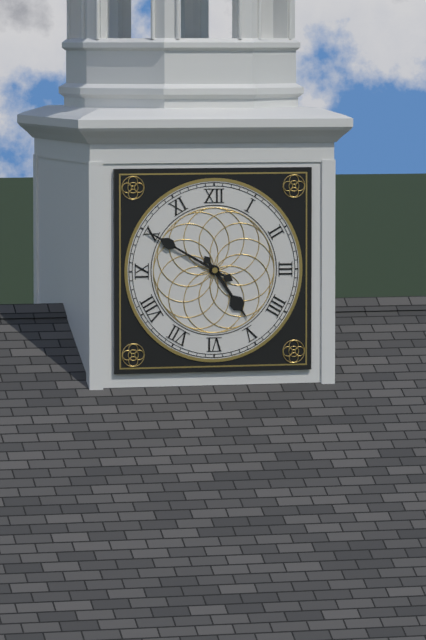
4:50
